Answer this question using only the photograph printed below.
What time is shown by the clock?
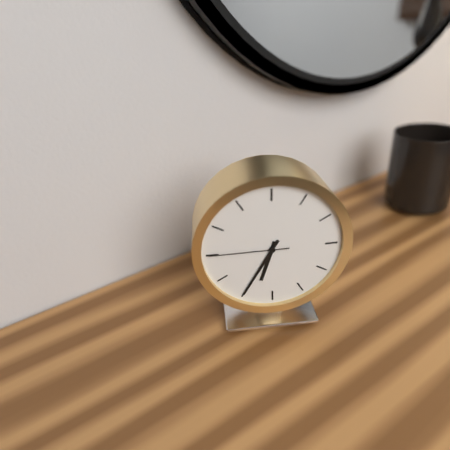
6:35:45
